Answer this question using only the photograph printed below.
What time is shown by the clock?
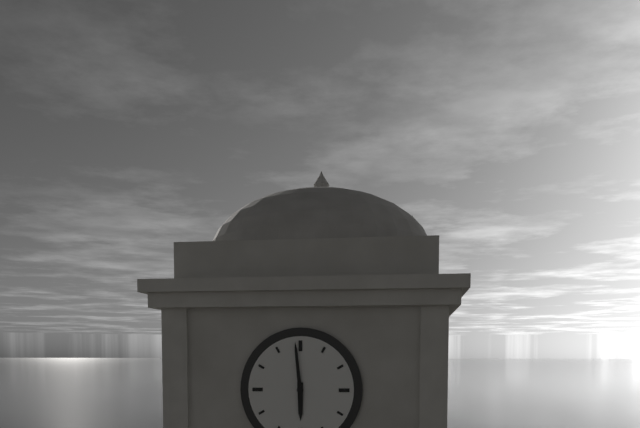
5:59
